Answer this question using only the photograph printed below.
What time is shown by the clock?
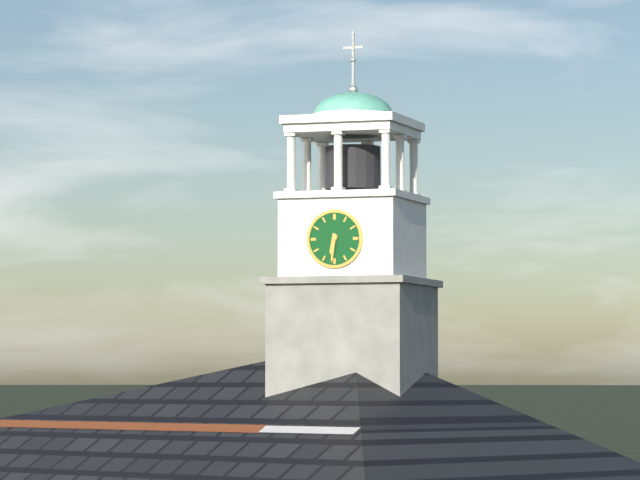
6:31
